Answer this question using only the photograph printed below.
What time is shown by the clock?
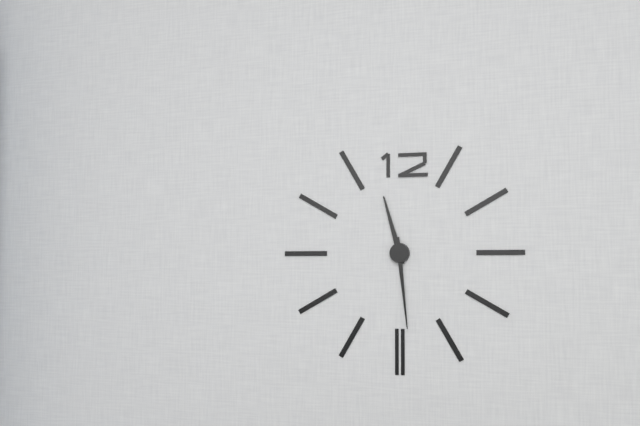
11:29
